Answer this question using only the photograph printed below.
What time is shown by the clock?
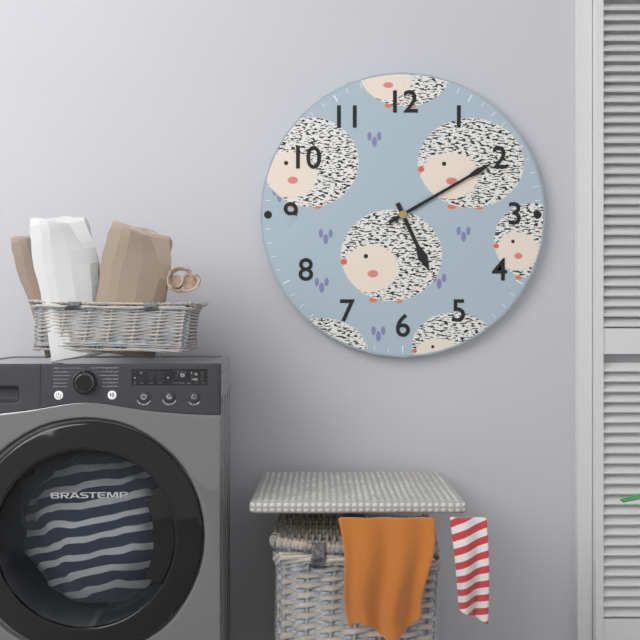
5:10
